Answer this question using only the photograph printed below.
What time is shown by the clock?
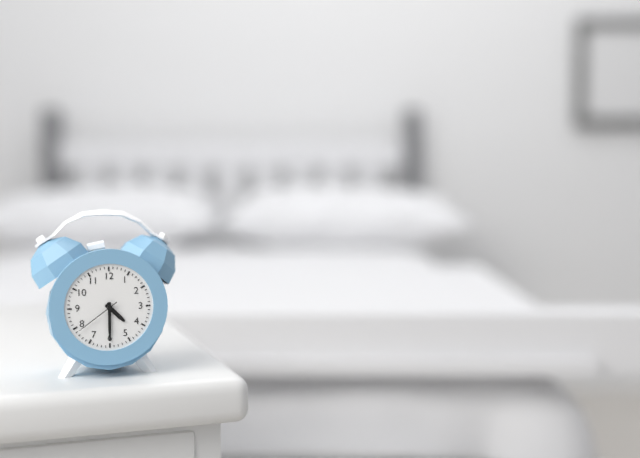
4:30
